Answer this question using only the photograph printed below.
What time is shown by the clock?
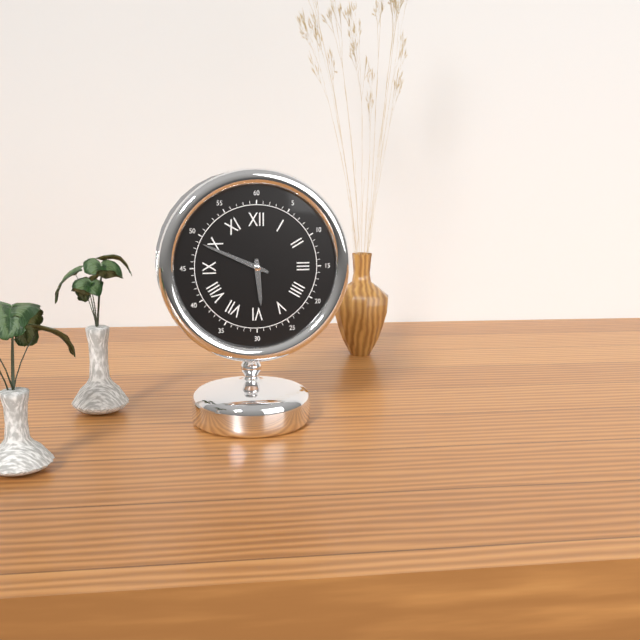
5:49
